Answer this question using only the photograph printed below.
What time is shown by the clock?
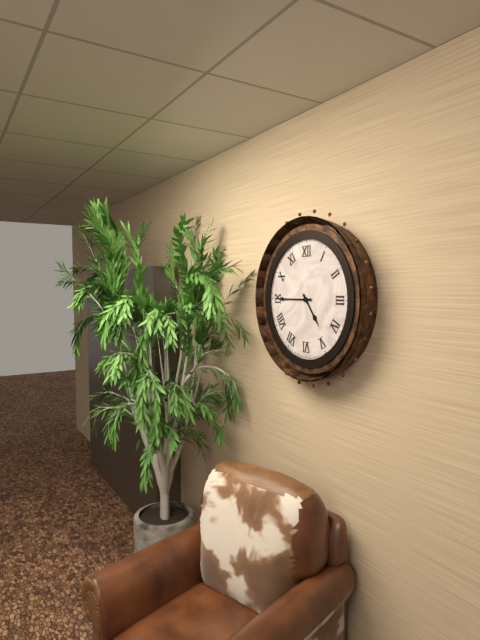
4:45
